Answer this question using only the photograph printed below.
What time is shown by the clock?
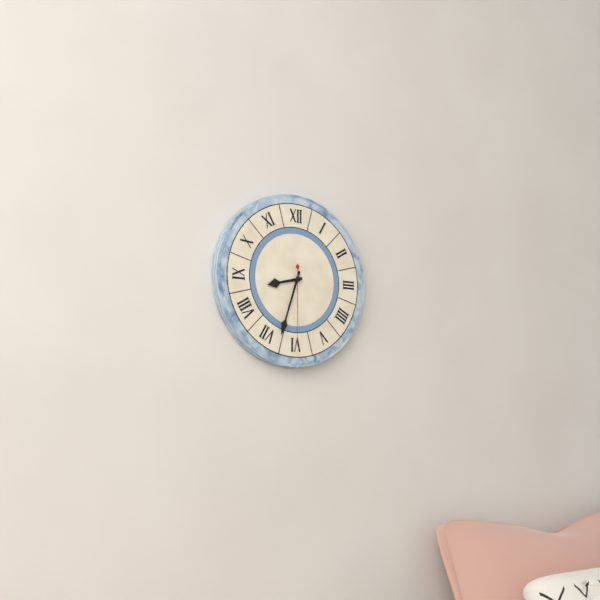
8:33:30
